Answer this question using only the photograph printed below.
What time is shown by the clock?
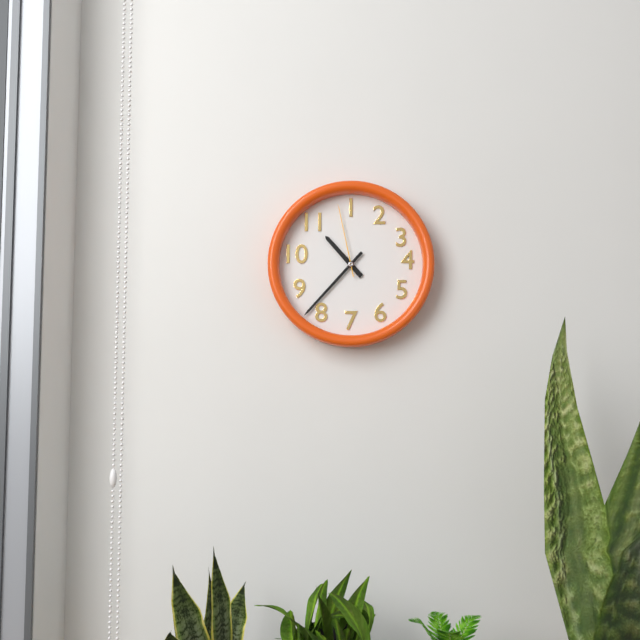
10:37:58
